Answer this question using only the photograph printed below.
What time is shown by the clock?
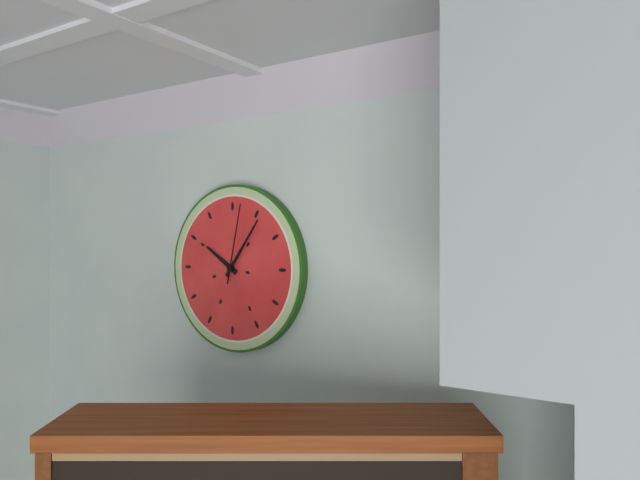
10:06:02
